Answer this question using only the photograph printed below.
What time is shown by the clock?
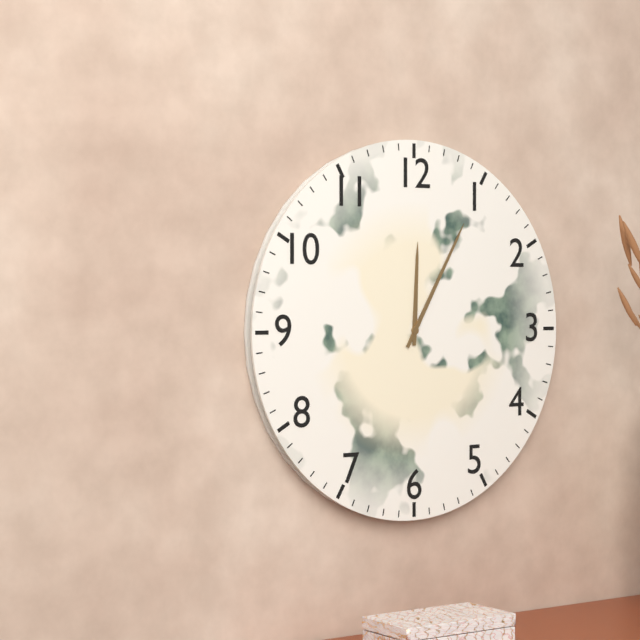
12:05
